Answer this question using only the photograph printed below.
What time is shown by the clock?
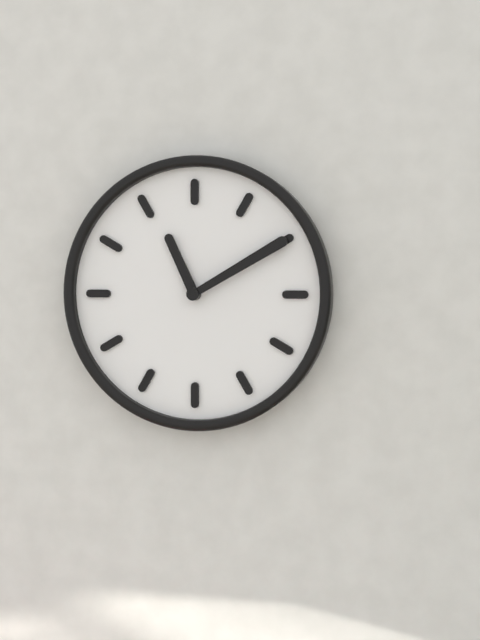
11:10
